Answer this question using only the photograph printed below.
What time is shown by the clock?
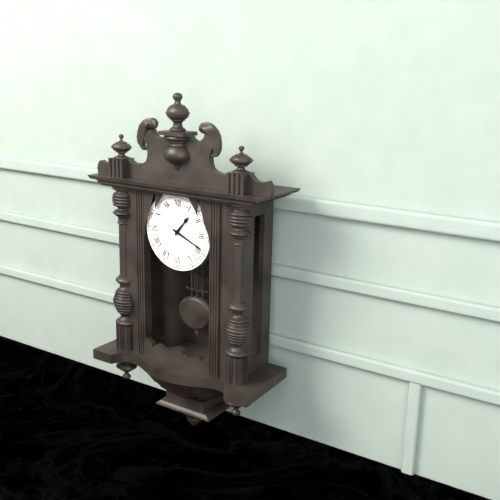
1:19
